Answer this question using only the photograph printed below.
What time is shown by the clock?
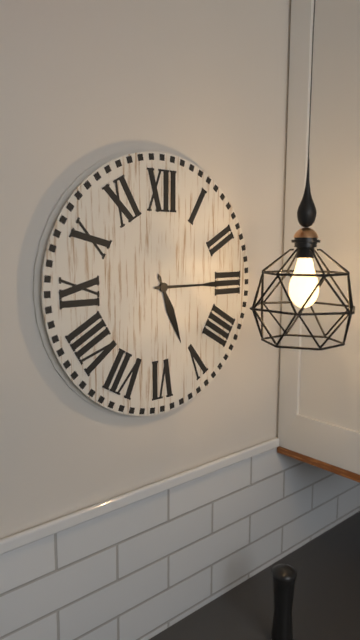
5:15
